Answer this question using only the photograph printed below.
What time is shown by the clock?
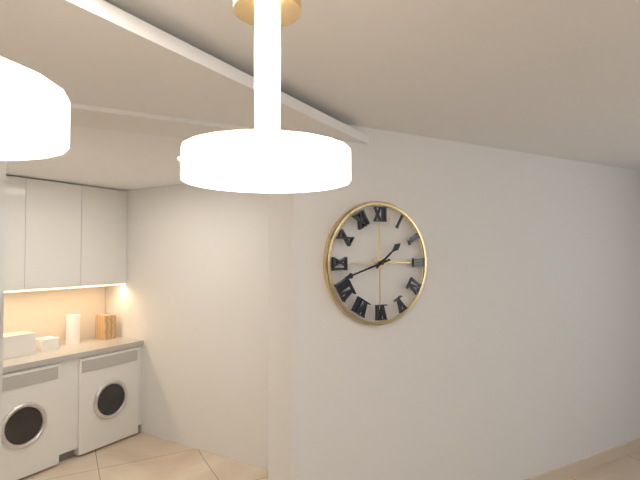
1:42
